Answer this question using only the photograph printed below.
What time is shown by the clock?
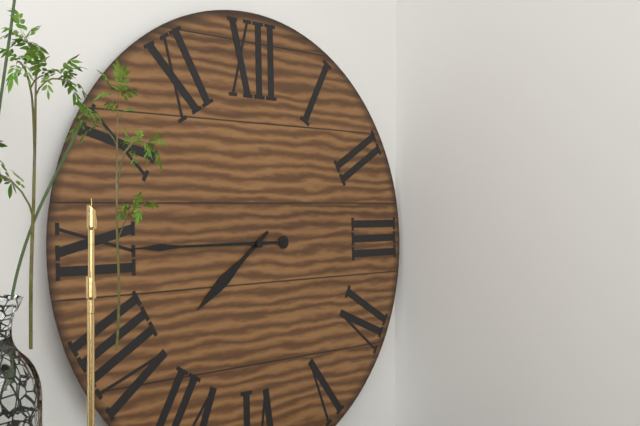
7:45
